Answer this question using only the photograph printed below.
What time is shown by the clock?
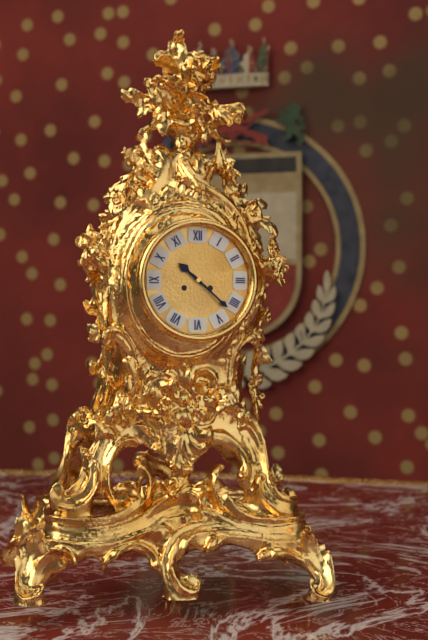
10:22
